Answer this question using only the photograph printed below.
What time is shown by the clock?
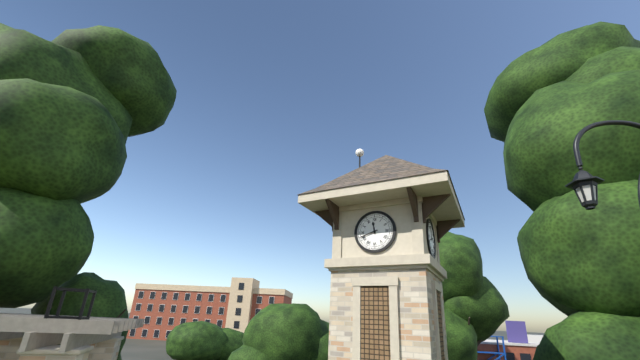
11:42
